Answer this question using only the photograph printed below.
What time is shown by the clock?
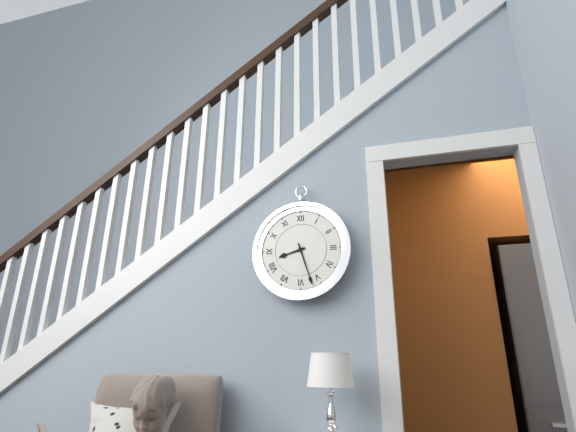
8:27
